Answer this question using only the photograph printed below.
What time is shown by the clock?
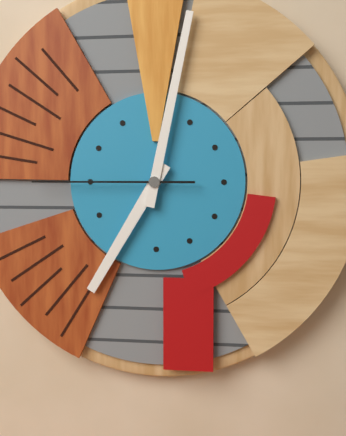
7:02:45
